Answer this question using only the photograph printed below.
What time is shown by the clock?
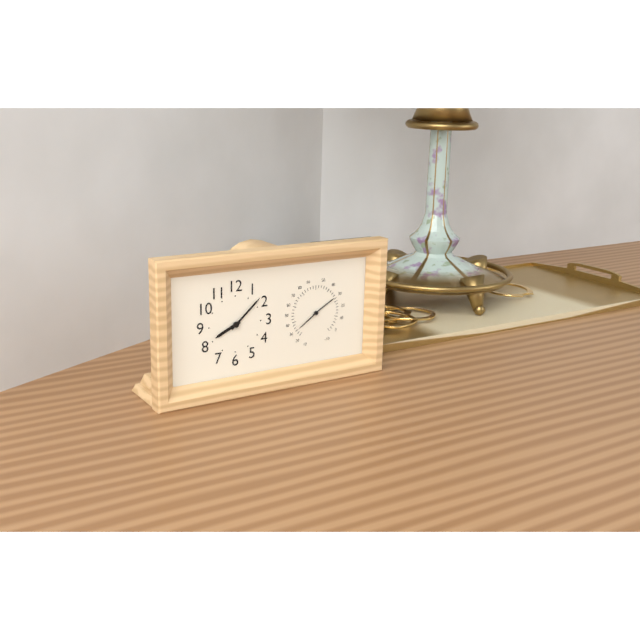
8:08
